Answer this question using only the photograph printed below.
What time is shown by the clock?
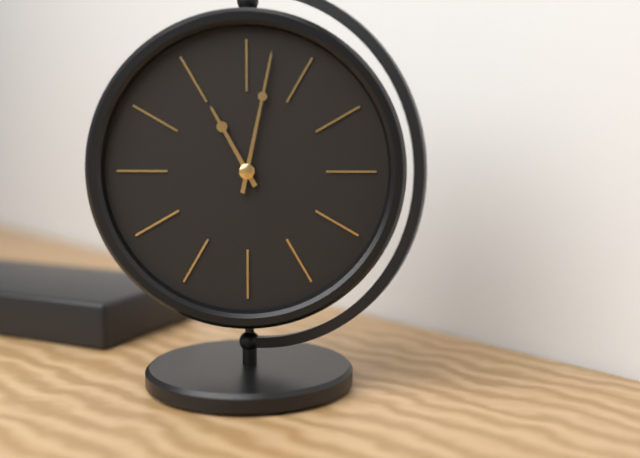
11:02
